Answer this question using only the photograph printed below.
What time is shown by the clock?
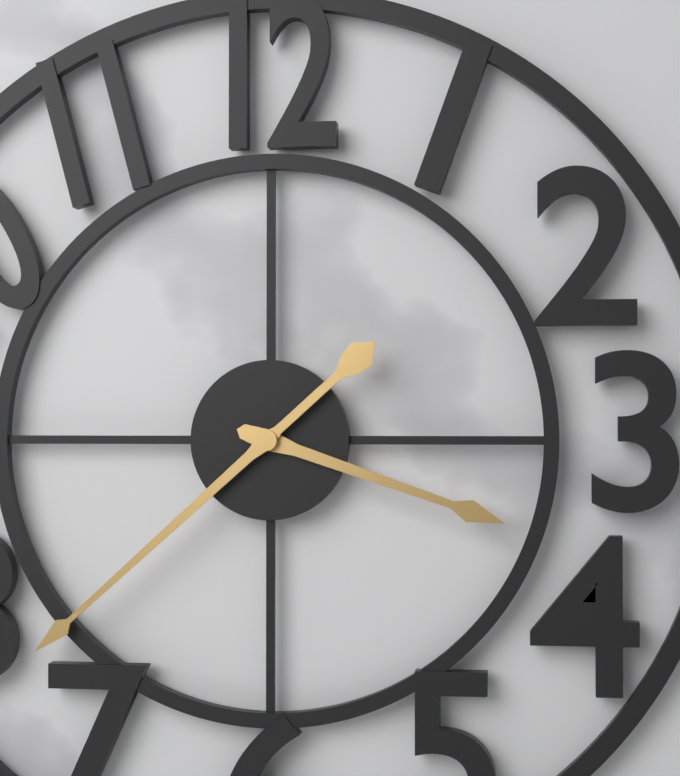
3:38
